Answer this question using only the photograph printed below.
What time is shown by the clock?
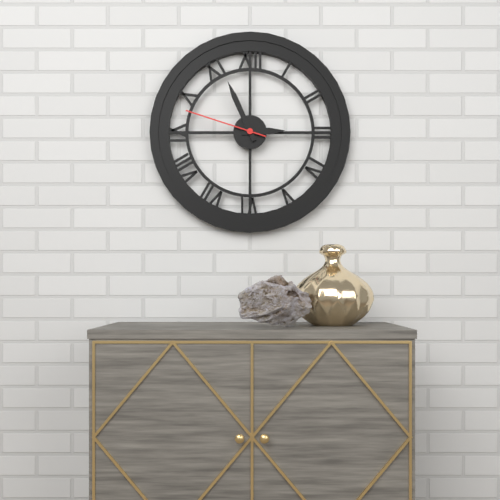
2:56:48
